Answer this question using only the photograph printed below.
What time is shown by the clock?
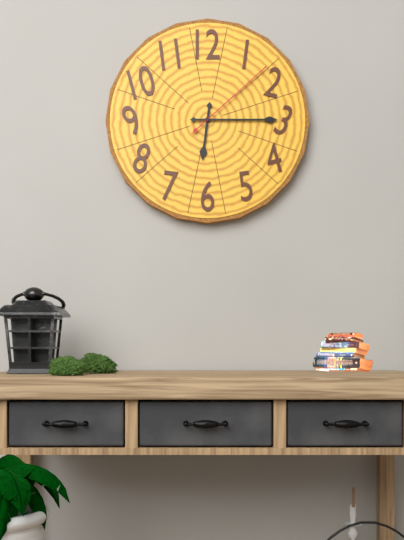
6:15:08
